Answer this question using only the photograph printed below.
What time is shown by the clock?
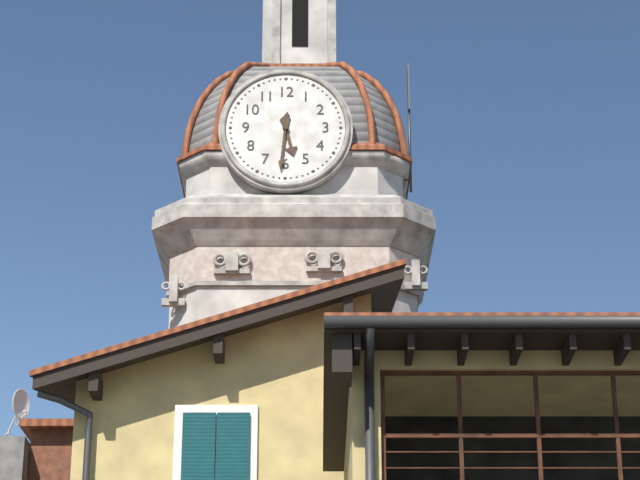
5:31
